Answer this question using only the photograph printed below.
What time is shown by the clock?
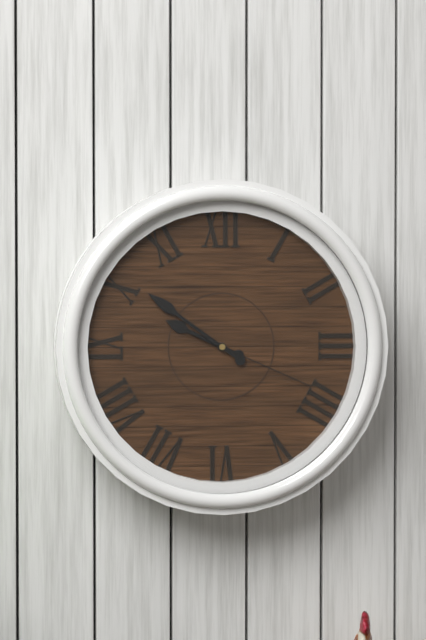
9:51:19
